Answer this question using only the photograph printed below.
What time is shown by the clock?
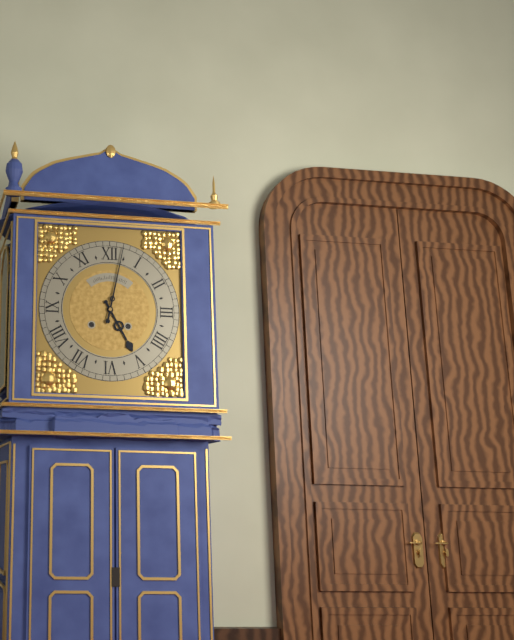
5:02
